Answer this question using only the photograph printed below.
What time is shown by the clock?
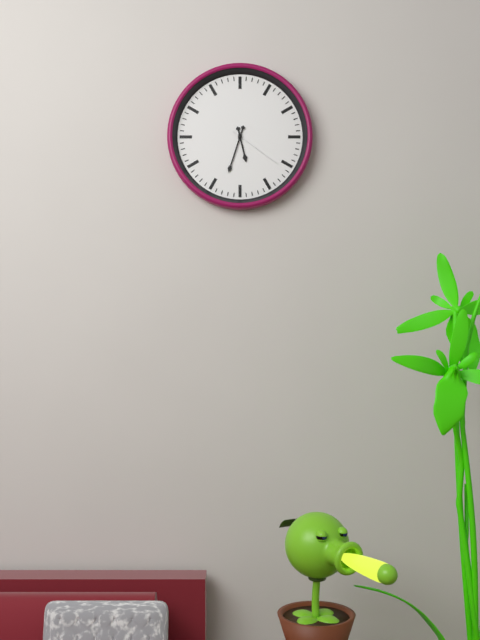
5:33:21
